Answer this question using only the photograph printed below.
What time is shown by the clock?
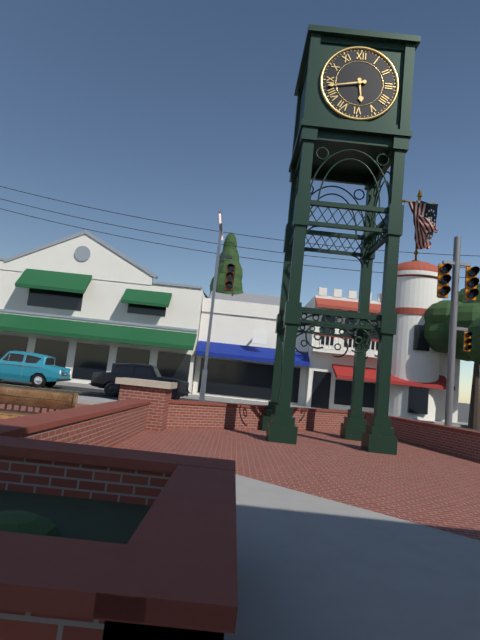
5:43
